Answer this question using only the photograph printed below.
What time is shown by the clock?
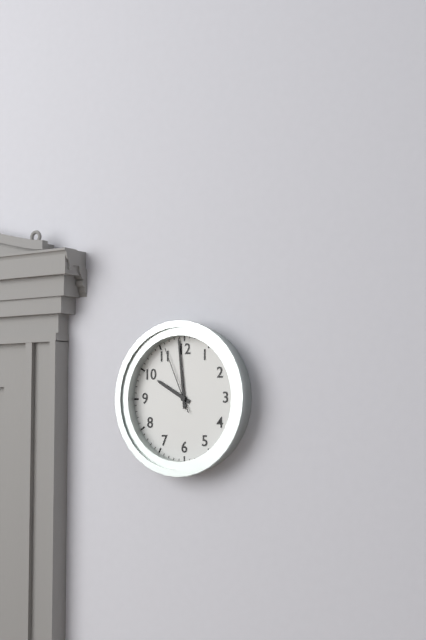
9:59:56
